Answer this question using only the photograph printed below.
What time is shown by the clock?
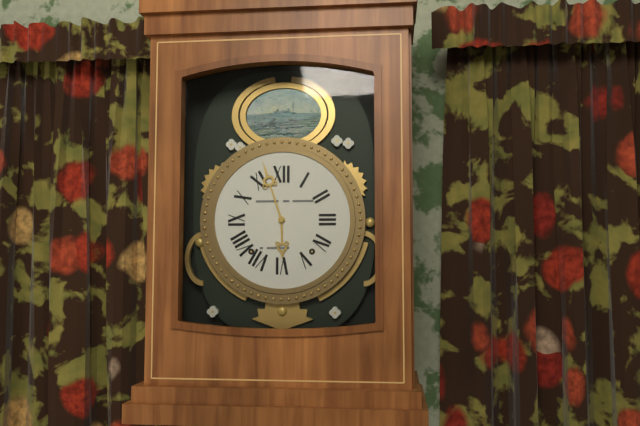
5:57
